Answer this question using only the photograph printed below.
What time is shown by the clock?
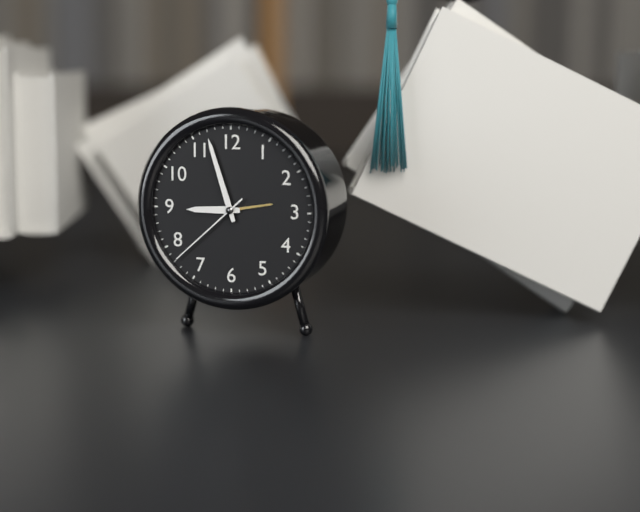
8:57:38
